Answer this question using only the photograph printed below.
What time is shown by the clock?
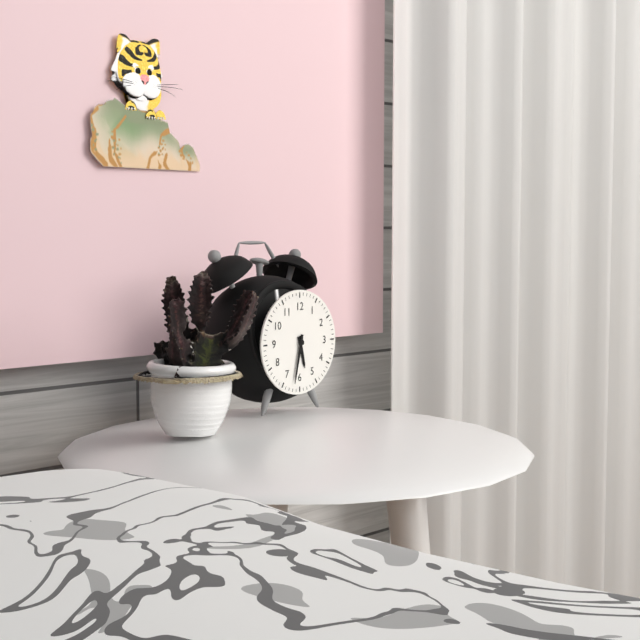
5:32
